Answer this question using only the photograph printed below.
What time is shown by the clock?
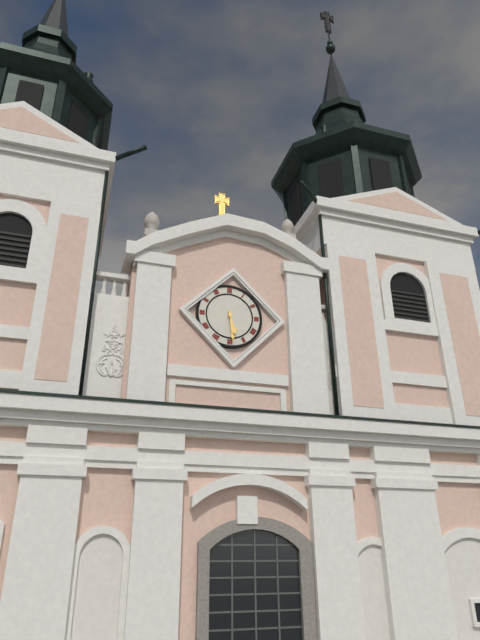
5:29
